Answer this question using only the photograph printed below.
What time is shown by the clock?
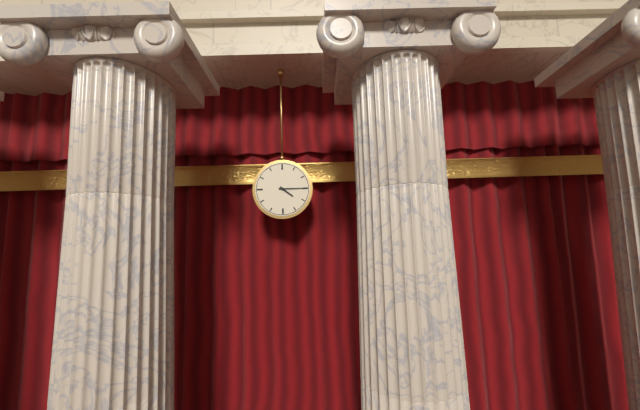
4:15
